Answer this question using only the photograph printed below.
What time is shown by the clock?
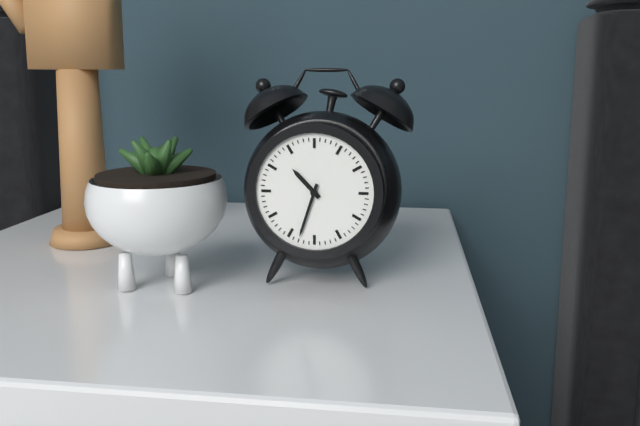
10:33
